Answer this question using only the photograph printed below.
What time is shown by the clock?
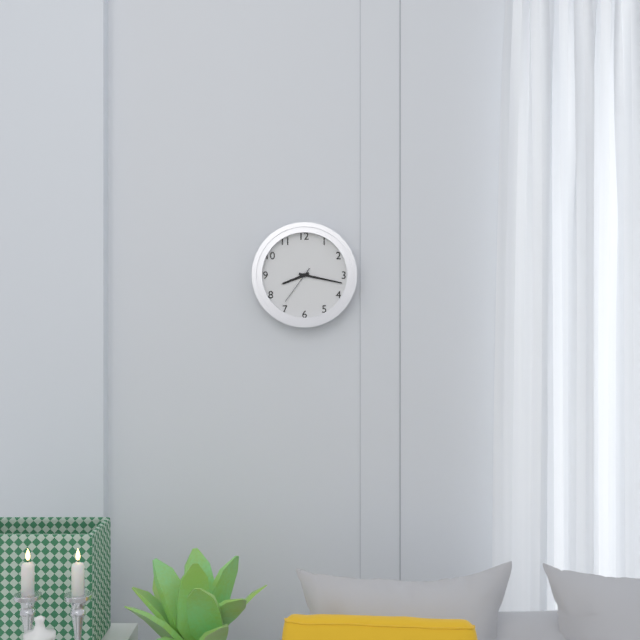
8:17
